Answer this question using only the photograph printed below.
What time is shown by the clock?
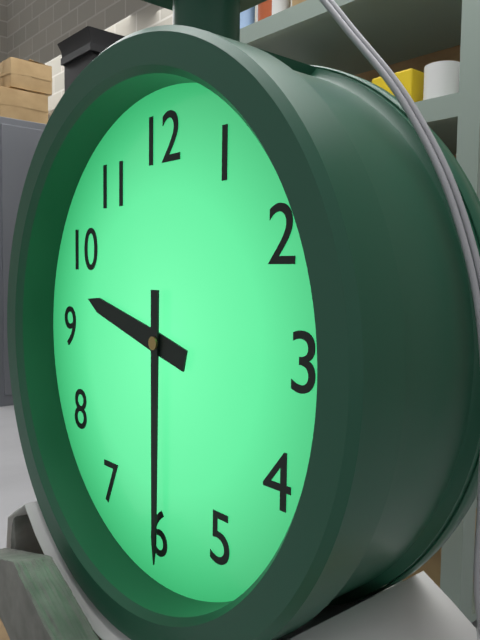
9:30
